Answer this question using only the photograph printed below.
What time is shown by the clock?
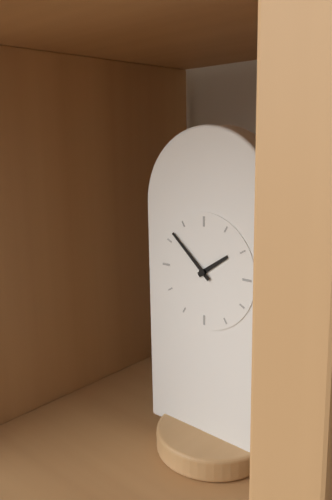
1:52
